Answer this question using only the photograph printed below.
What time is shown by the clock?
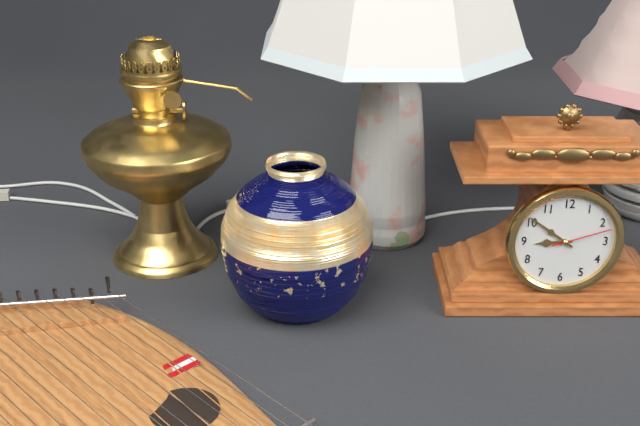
8:51:12
